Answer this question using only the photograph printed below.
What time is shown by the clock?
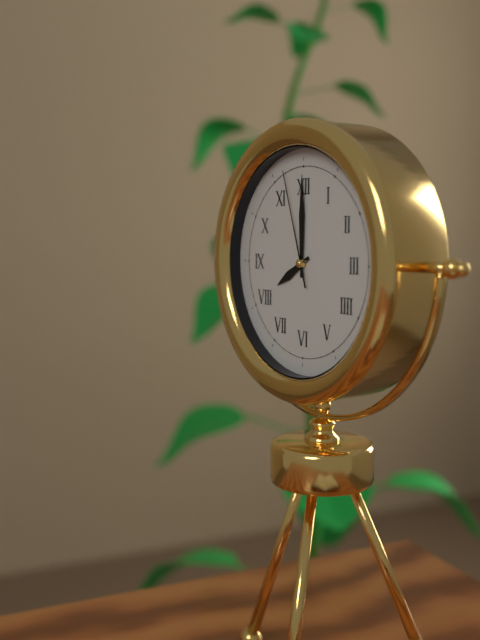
8:00:57
